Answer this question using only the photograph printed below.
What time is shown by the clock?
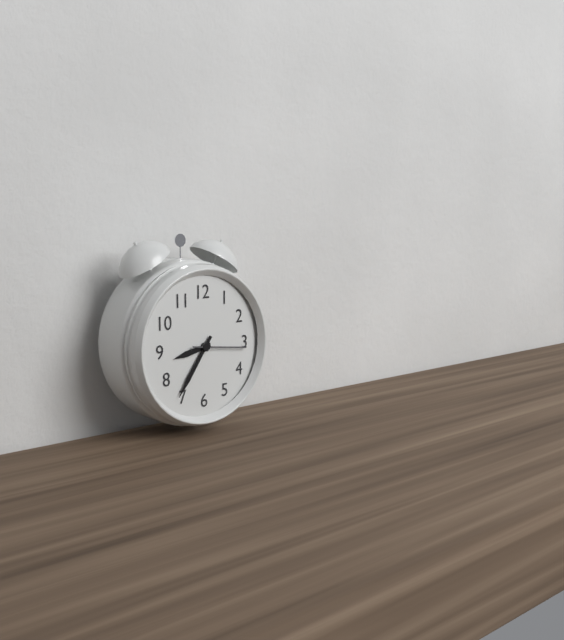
8:36:16
